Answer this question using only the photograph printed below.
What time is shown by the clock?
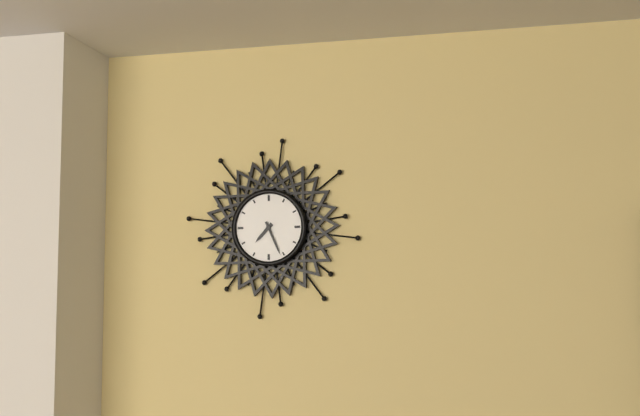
7:26
